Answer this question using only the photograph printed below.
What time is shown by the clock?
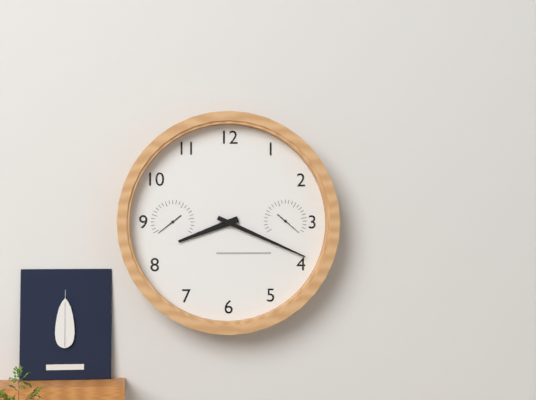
8:19
